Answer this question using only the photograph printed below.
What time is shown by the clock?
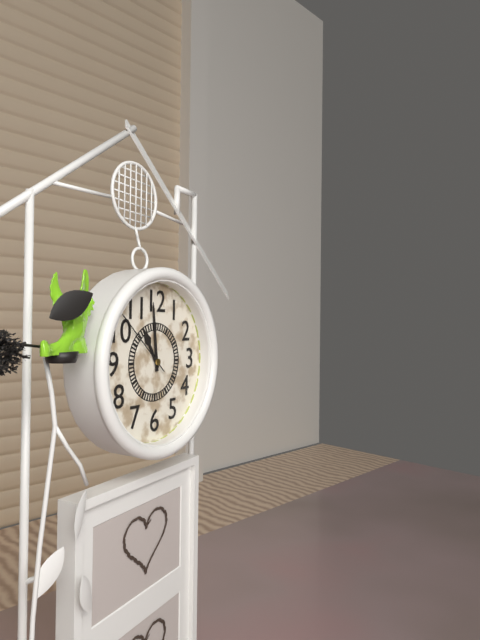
10:59:52
